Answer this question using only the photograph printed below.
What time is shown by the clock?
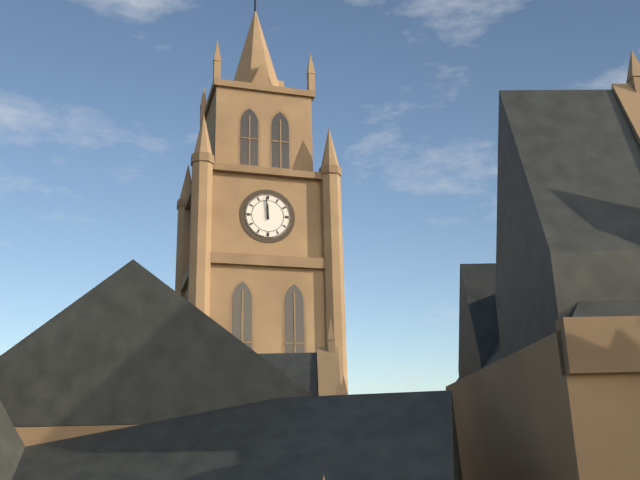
11:59
